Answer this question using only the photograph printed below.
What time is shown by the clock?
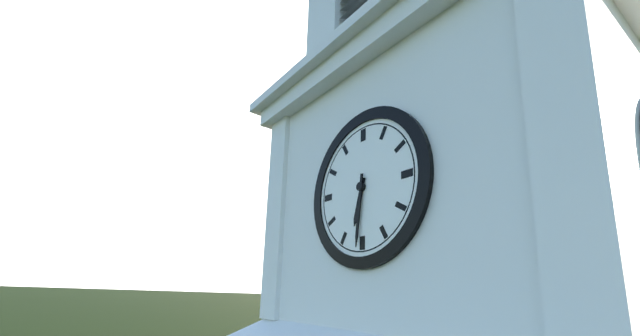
6:31
